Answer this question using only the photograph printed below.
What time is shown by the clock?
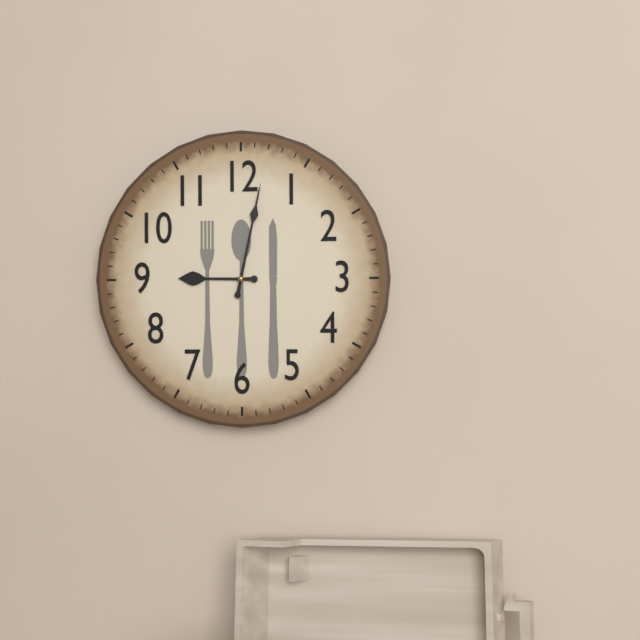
9:02
